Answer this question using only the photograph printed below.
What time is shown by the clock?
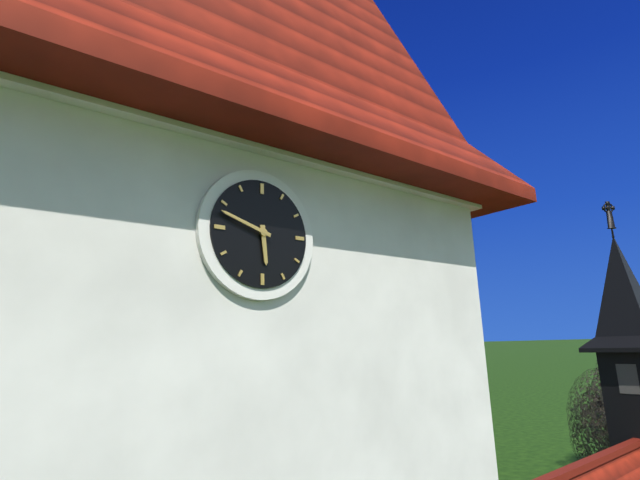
5:48
